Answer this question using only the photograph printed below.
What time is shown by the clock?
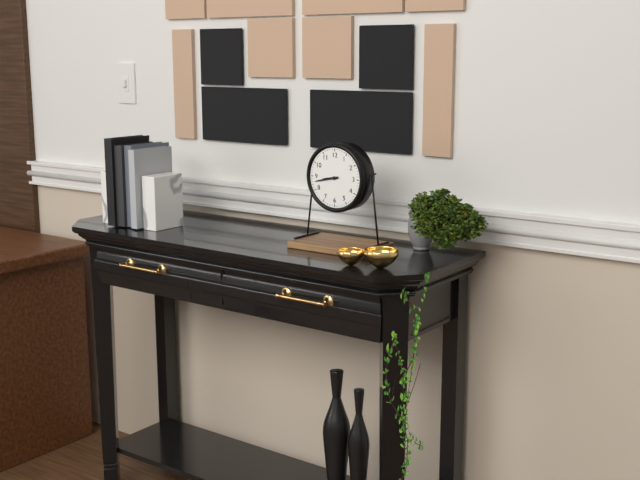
8:43
